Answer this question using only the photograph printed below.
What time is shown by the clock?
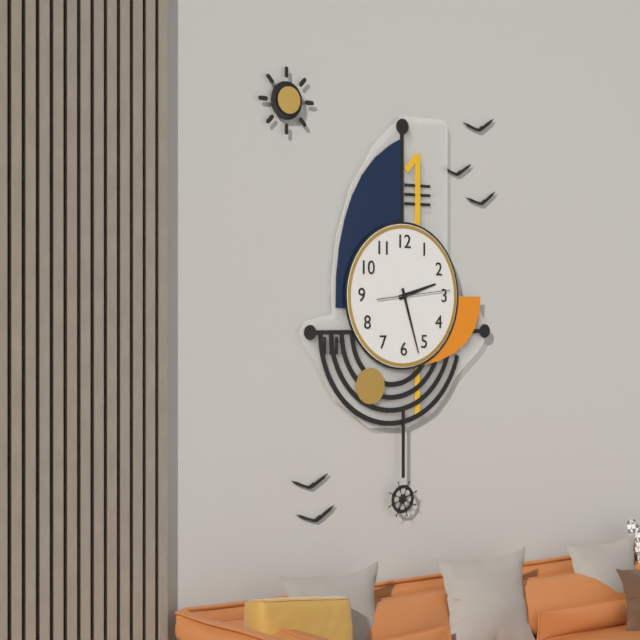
2:27:14
